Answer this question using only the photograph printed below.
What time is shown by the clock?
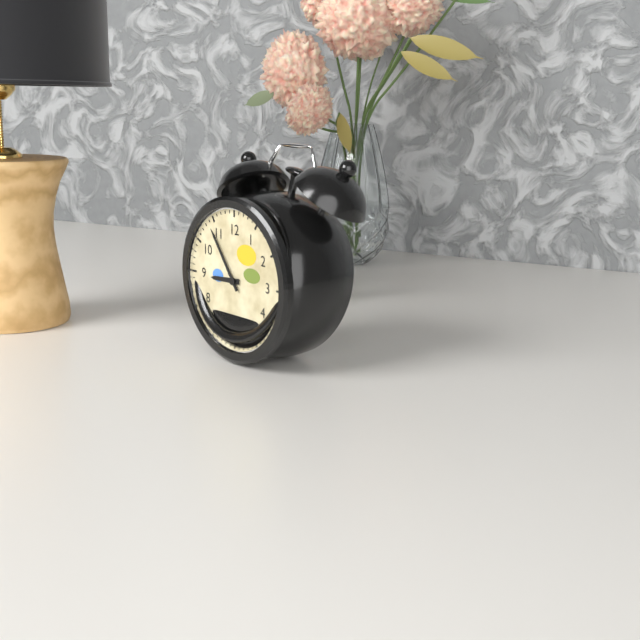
8:54
